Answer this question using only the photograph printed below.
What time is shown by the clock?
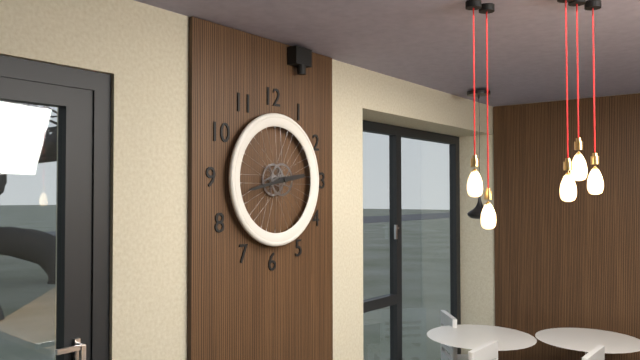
2:43
